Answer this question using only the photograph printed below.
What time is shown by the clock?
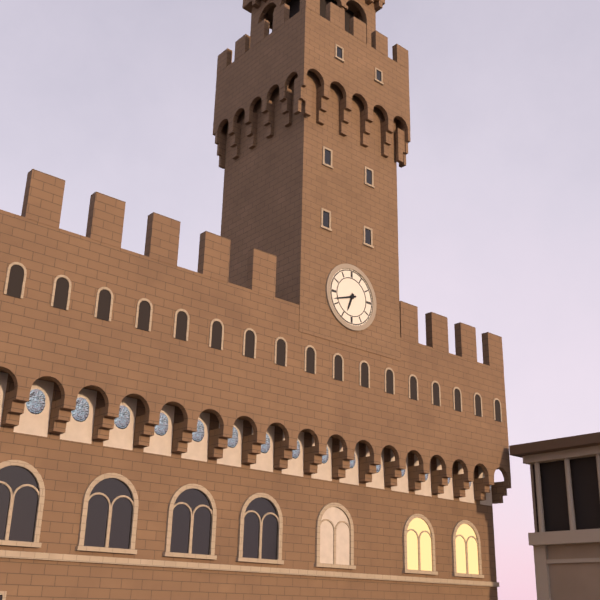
6:42
